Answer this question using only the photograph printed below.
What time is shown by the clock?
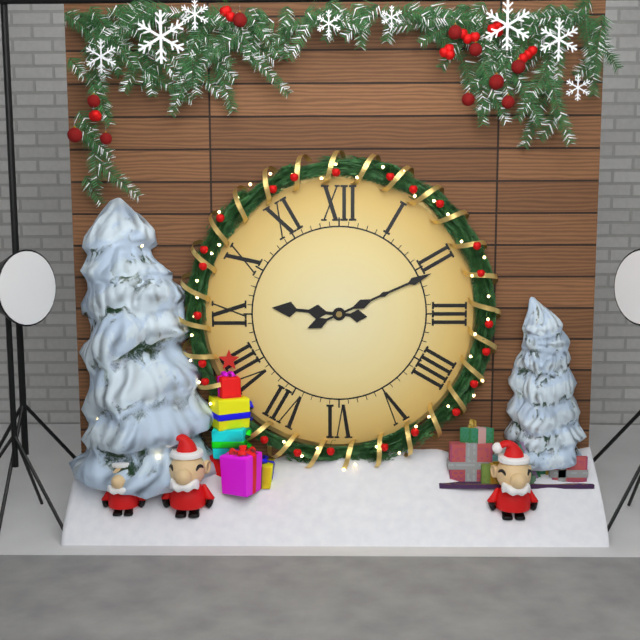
9:11
